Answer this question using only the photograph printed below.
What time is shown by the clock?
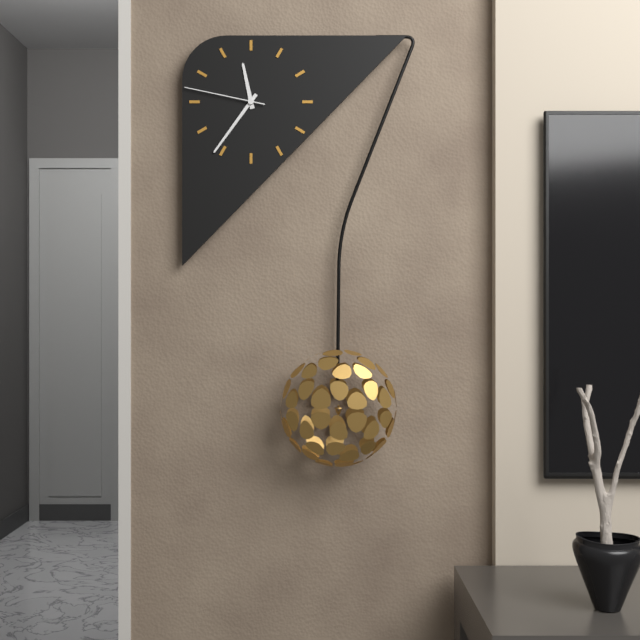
11:36:47
